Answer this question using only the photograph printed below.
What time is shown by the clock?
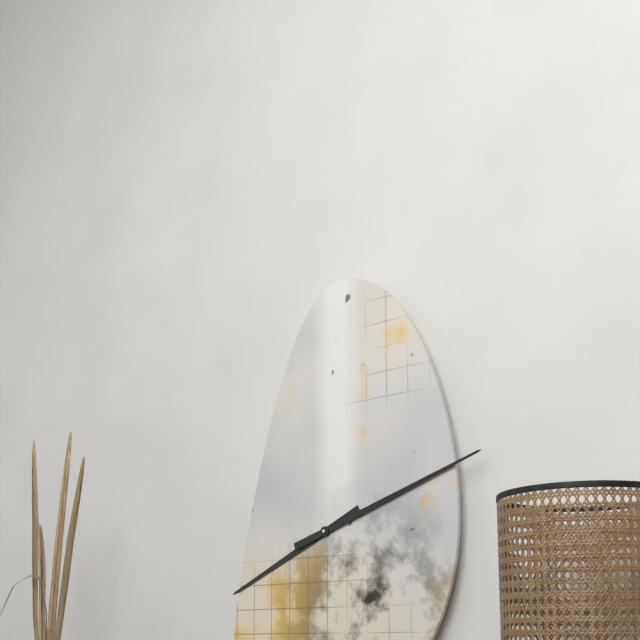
8:12
